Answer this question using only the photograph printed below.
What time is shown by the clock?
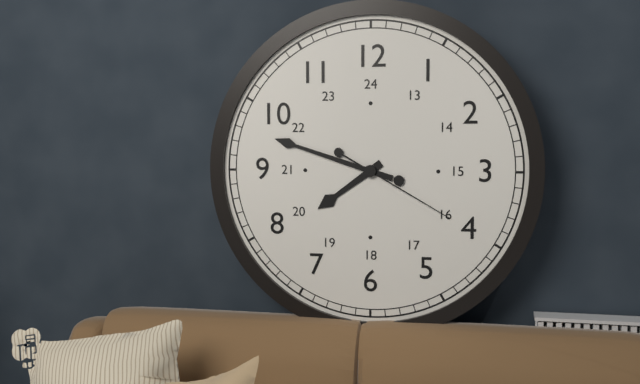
7:48:20
